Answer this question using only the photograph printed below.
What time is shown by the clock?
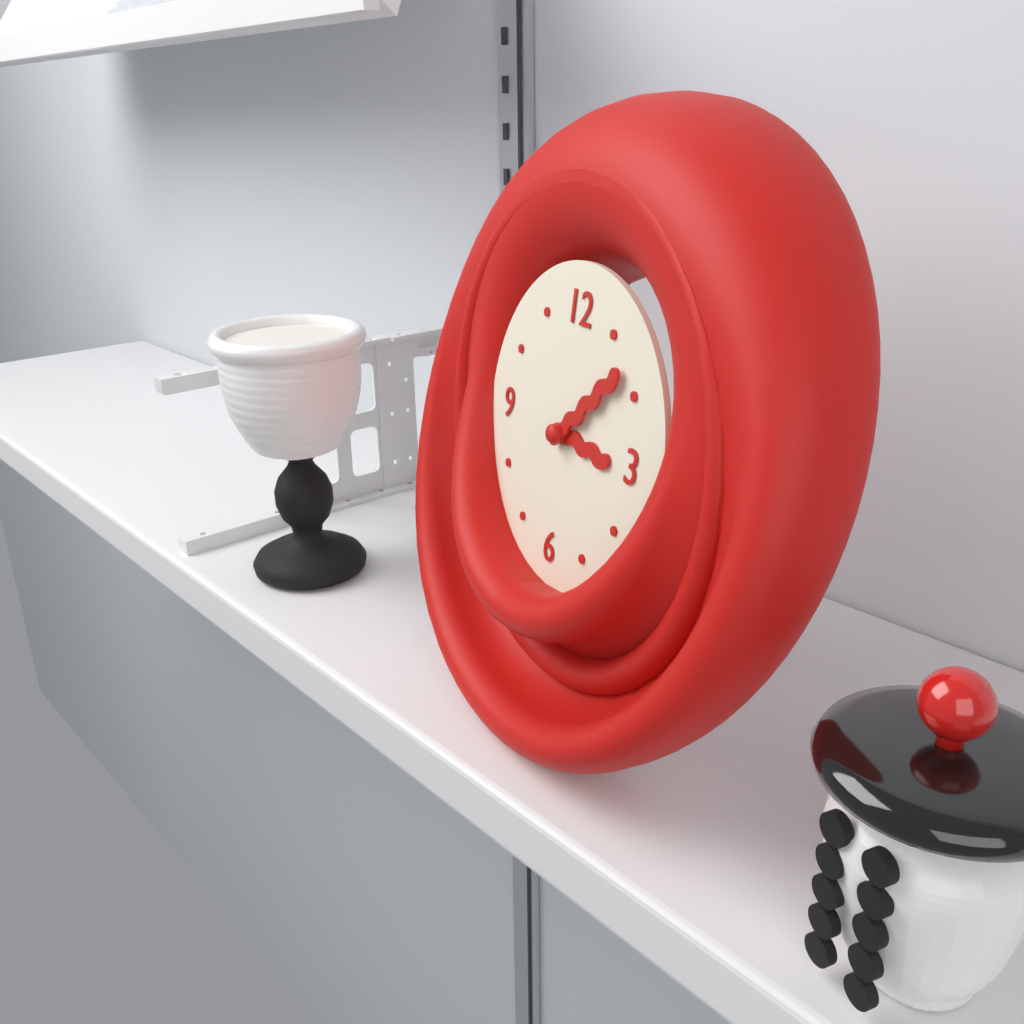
3:08
